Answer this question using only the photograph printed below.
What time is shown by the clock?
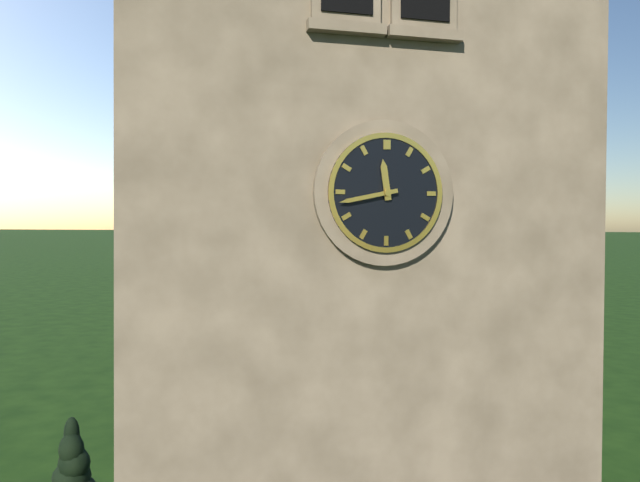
11:43
